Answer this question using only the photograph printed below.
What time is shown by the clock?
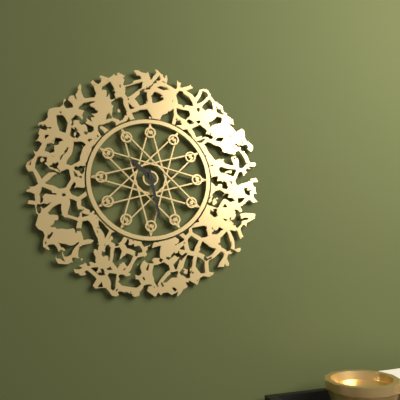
10:28
